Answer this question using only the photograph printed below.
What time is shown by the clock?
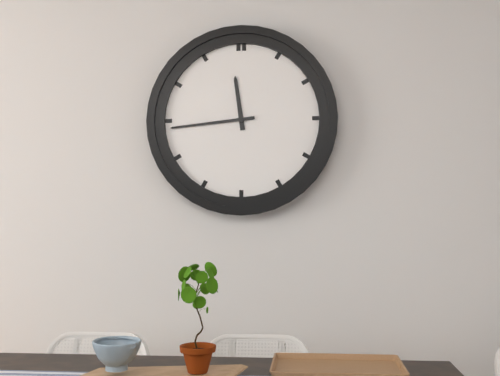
11:44
